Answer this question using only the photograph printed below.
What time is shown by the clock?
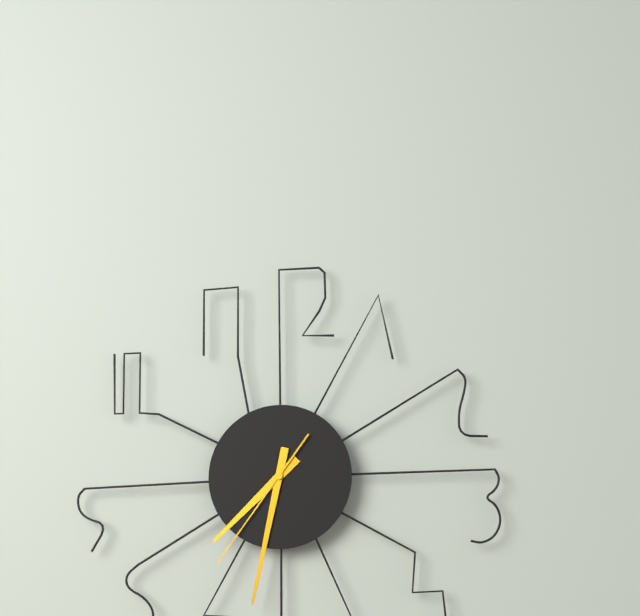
7:32:36
